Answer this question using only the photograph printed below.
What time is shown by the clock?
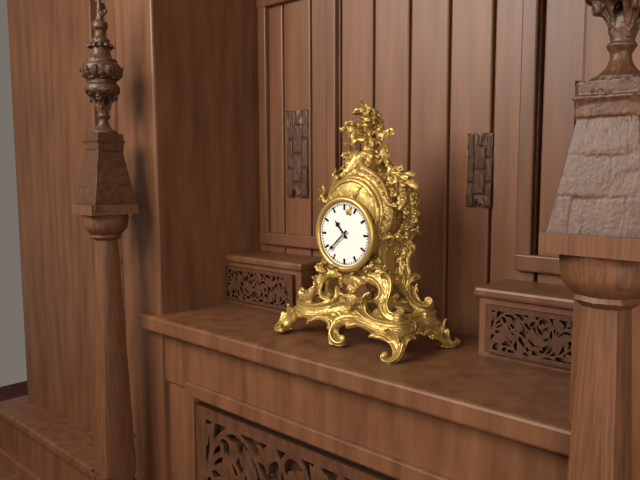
10:38
